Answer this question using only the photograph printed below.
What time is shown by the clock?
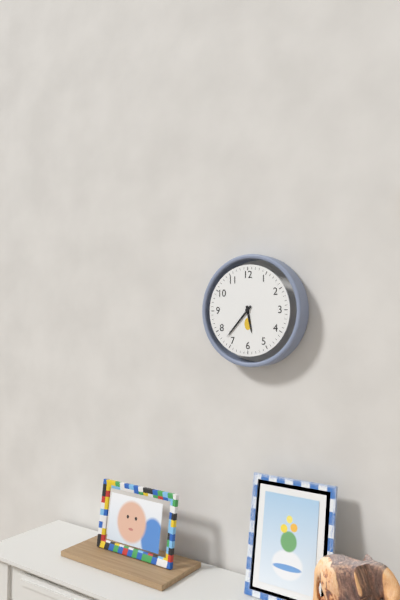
5:37
